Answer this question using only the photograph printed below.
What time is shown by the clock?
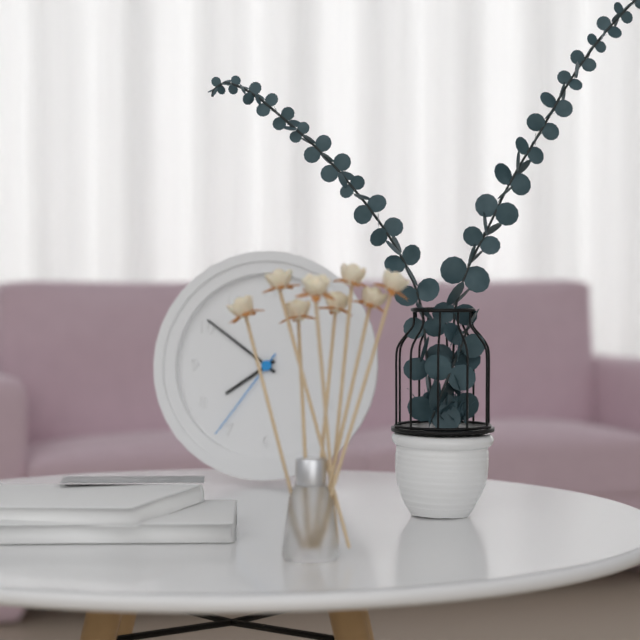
7:51:36
